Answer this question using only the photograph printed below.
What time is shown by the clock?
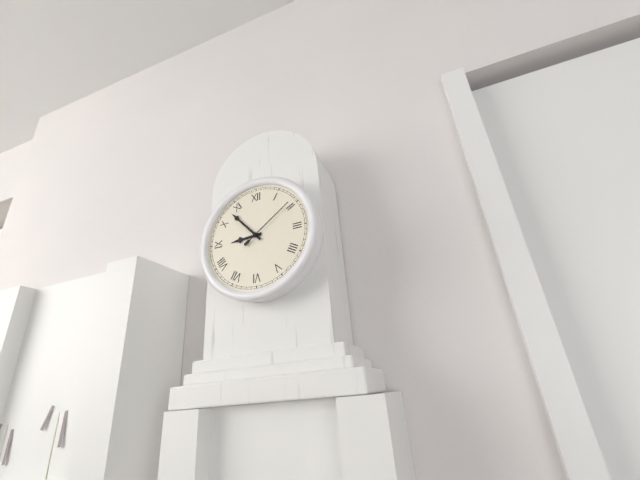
8:53:09
